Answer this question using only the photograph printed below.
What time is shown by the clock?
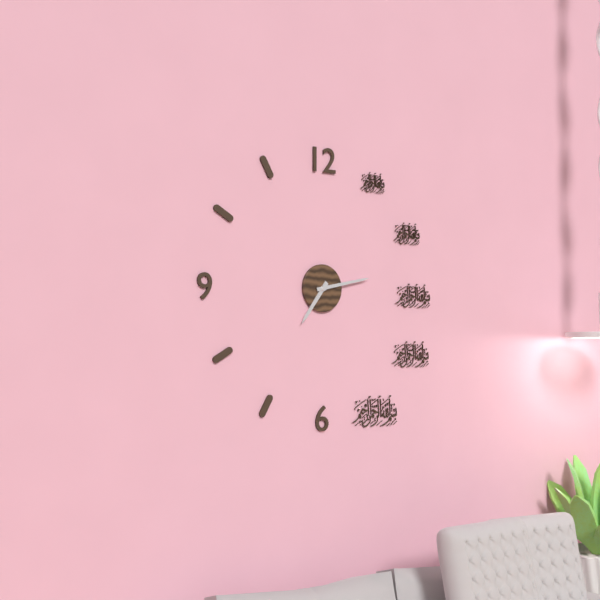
7:13
